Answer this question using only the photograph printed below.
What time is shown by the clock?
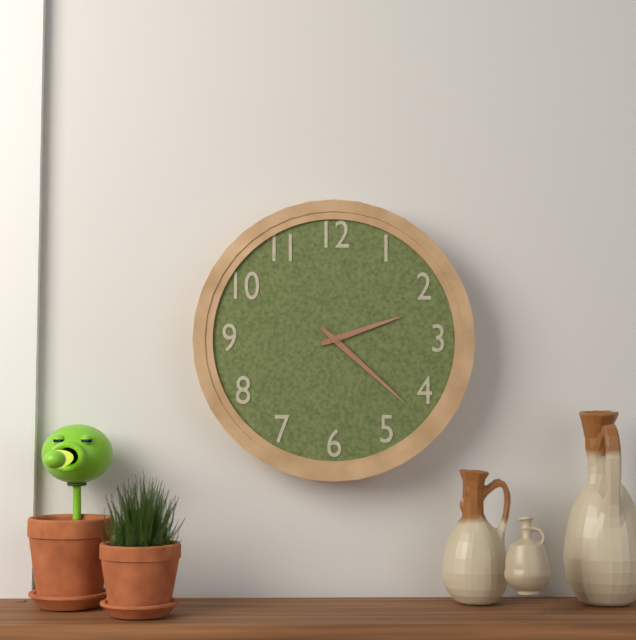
2:22
